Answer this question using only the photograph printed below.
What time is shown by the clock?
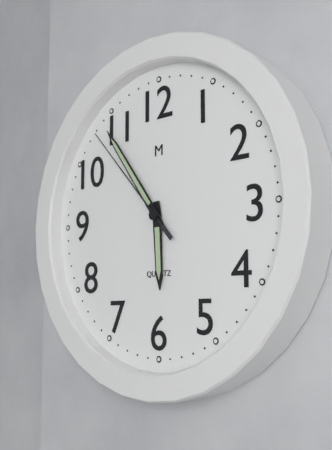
5:54:53
